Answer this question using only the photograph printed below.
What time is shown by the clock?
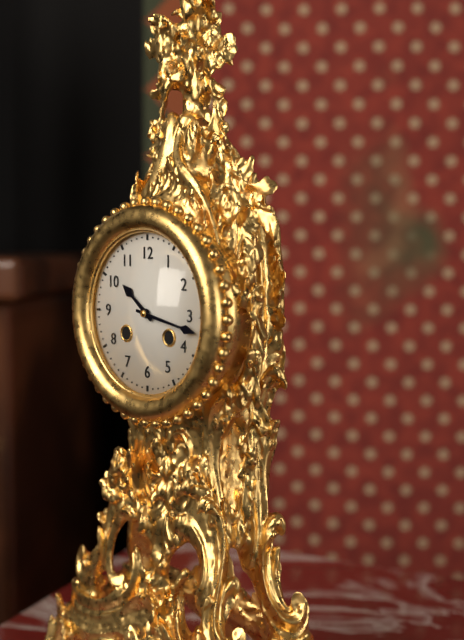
10:17
